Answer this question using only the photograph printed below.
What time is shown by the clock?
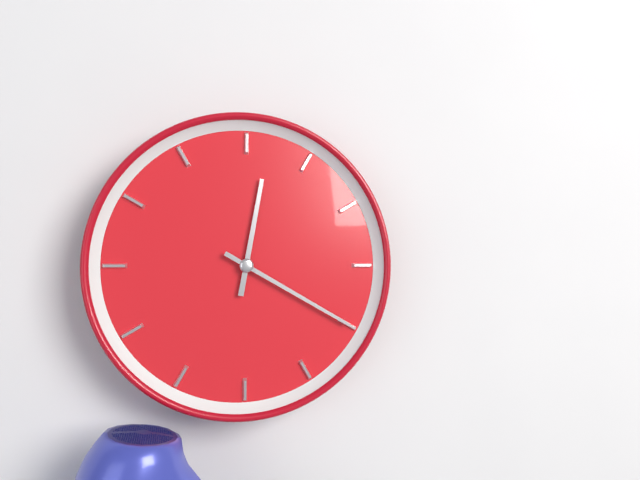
12:20
